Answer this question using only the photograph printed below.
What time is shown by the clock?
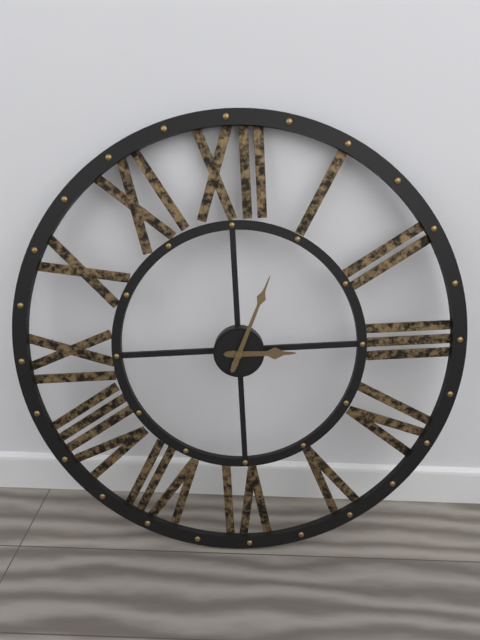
3:04
